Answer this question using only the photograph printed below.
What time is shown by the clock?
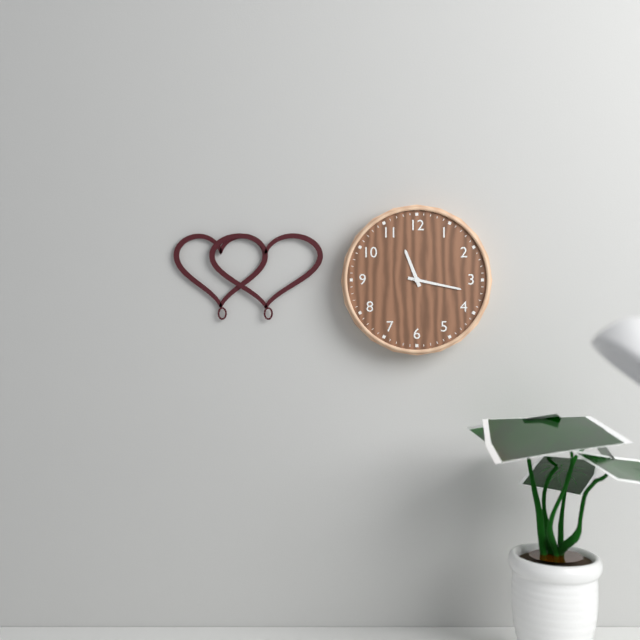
11:17
